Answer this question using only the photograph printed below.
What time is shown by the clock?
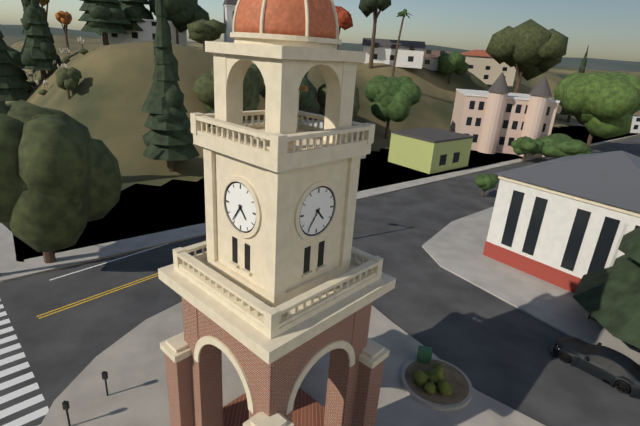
4:36
